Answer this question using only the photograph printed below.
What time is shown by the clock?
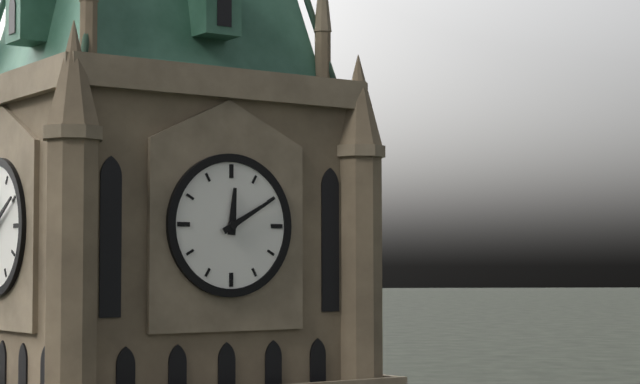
12:10
